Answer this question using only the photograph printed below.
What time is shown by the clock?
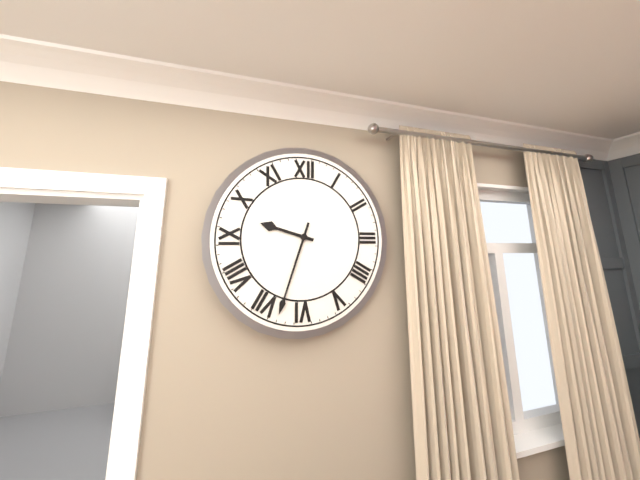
9:33
